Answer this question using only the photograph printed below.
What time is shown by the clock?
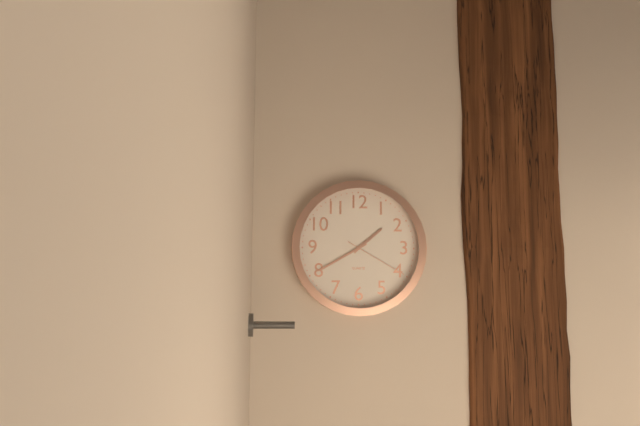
1:40:20
